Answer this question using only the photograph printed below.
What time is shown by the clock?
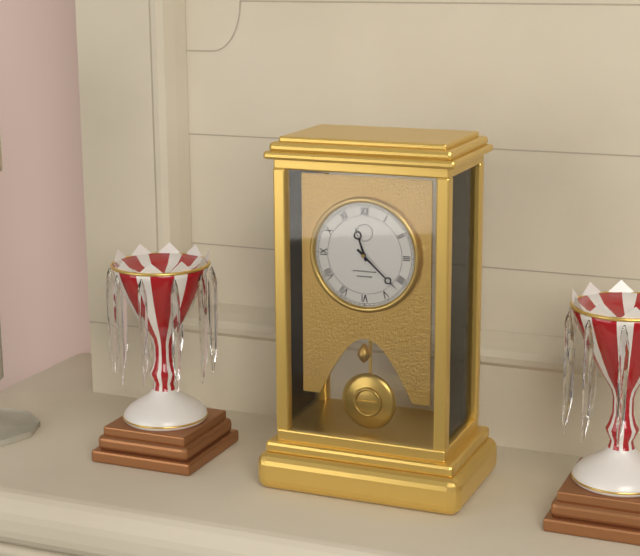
11:22
